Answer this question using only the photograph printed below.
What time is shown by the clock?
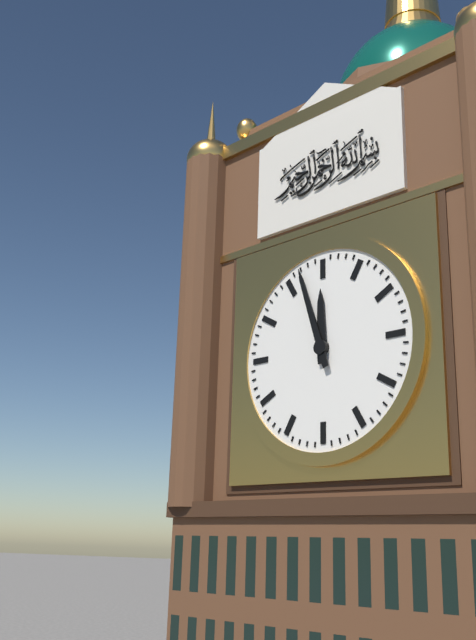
11:57
